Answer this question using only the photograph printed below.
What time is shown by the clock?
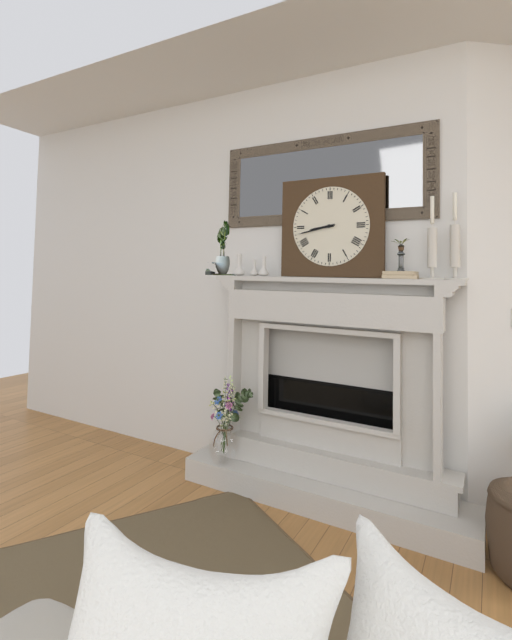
8:43
